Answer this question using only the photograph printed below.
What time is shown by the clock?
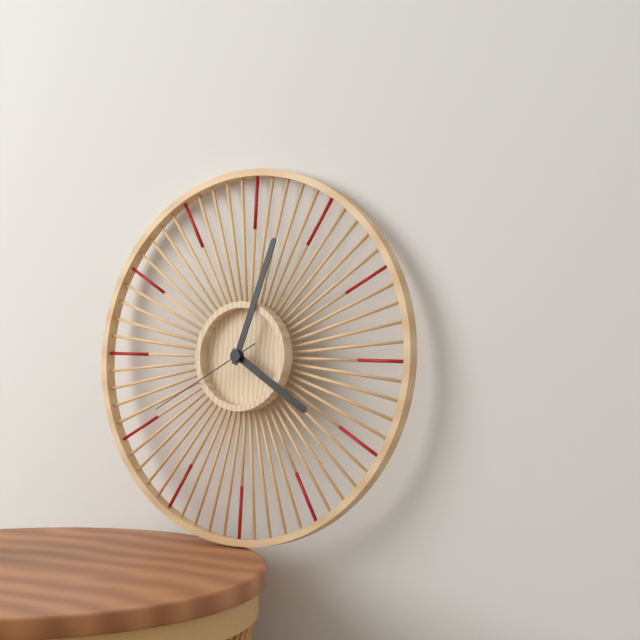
4:03:40
